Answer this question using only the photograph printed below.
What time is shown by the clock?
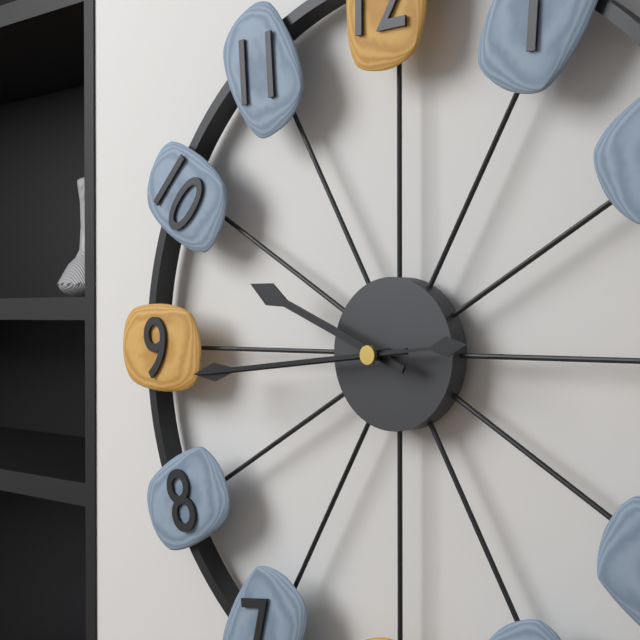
9:44:44
